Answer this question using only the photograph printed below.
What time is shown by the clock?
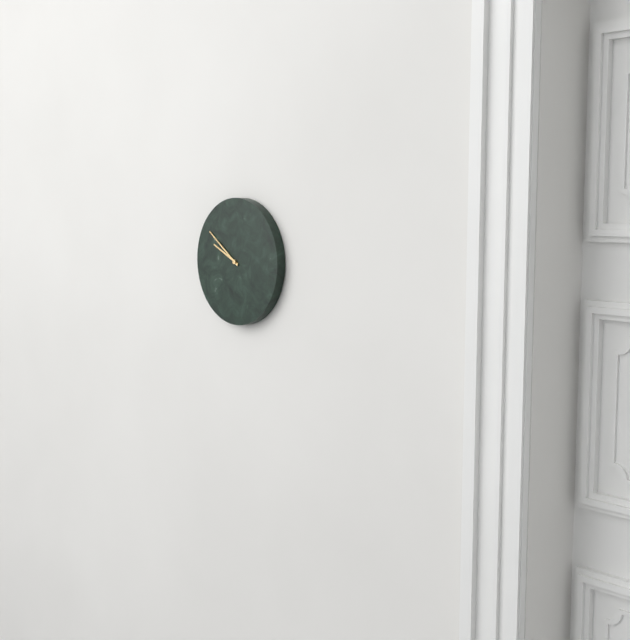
9:51
